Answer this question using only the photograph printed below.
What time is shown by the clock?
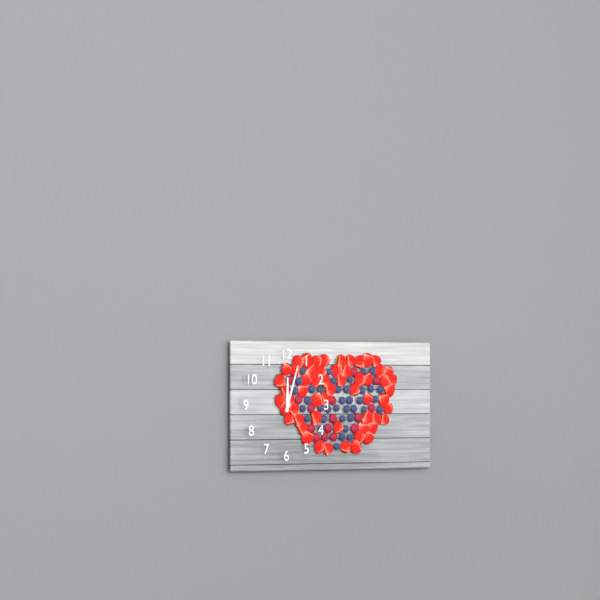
12:03
